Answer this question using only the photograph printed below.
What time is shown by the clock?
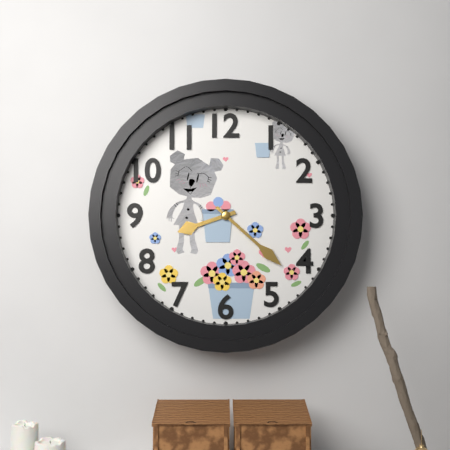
8:22
